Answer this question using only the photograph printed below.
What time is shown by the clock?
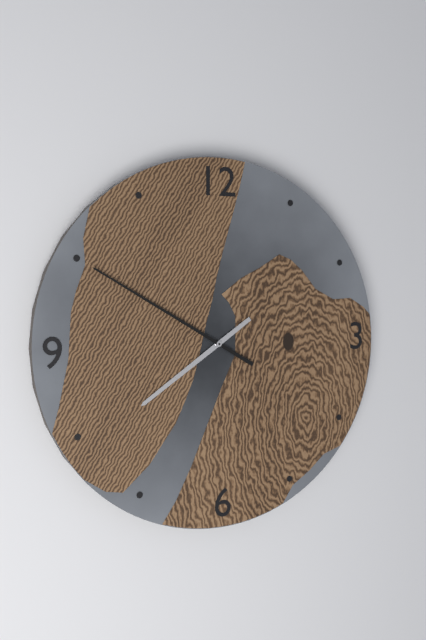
7:50
